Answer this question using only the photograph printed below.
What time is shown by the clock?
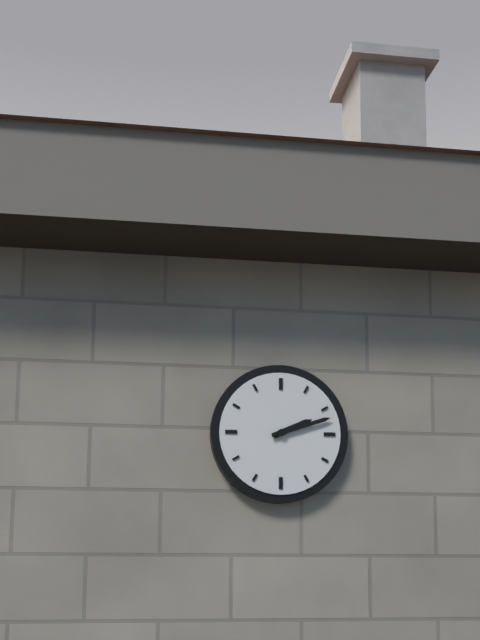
2:12
